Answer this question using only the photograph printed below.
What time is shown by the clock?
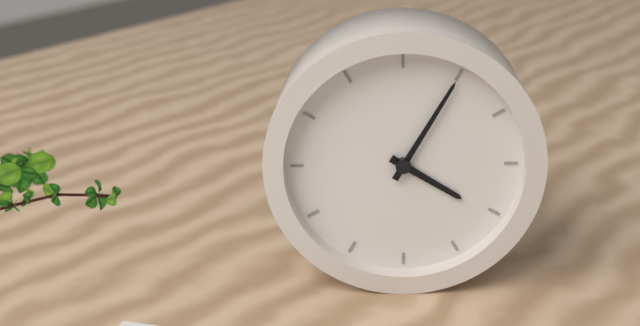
4:05
